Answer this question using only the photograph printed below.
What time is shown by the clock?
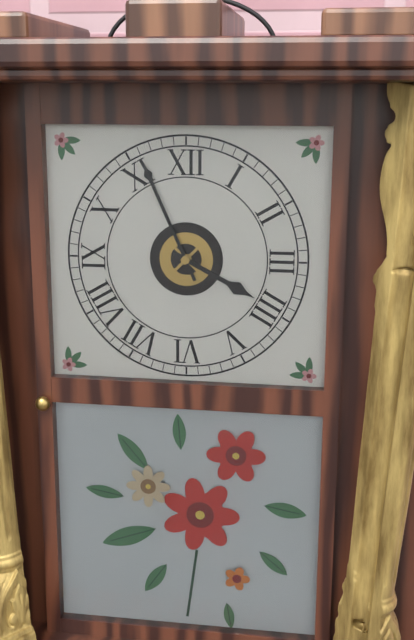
3:56
